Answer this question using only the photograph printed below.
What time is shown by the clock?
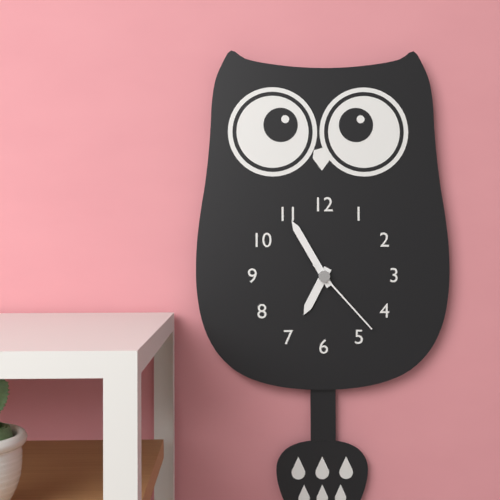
6:55:23
